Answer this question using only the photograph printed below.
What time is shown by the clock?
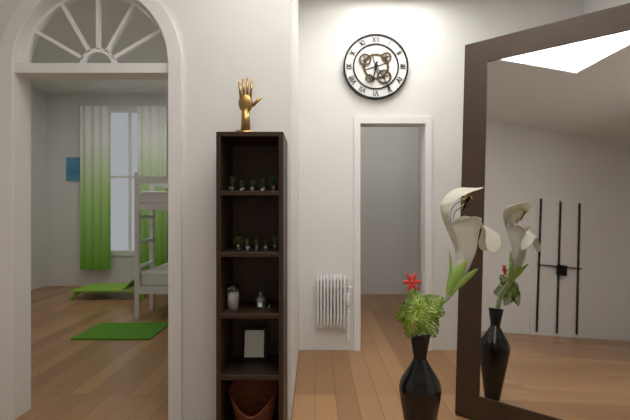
6:25
